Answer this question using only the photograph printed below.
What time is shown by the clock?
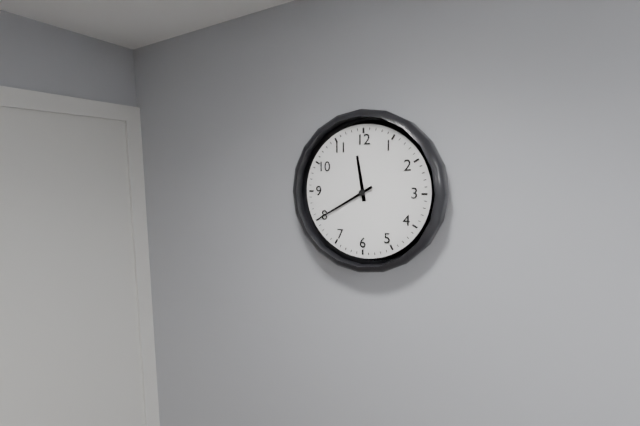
11:40
